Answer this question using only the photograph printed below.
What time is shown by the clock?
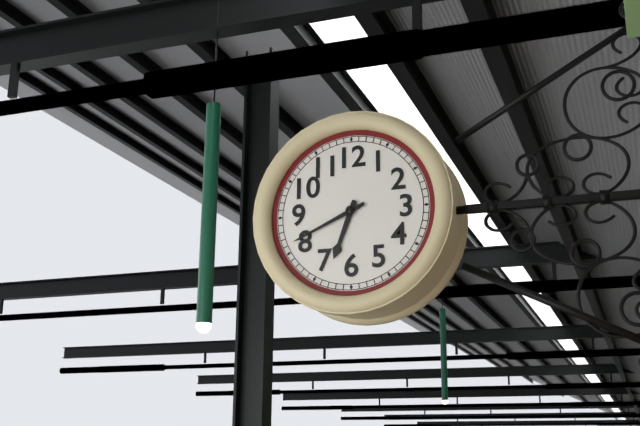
6:41
